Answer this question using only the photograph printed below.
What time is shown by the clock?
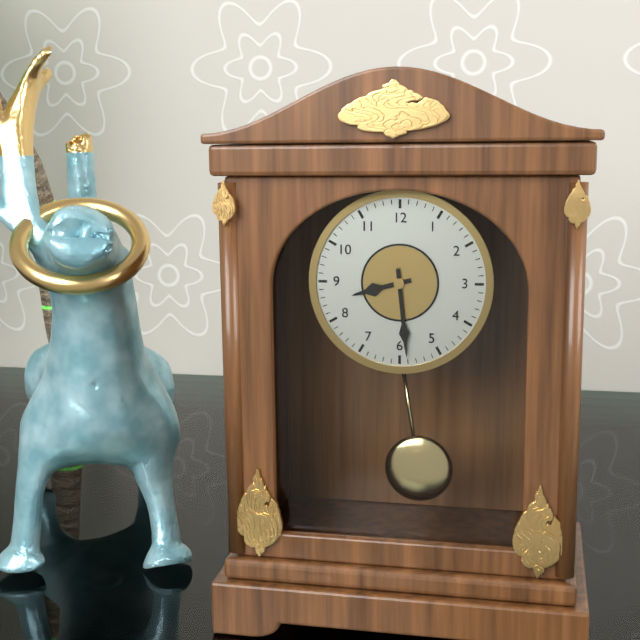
8:29
